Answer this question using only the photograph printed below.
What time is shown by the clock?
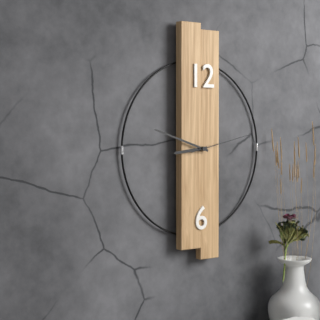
8:48:13
